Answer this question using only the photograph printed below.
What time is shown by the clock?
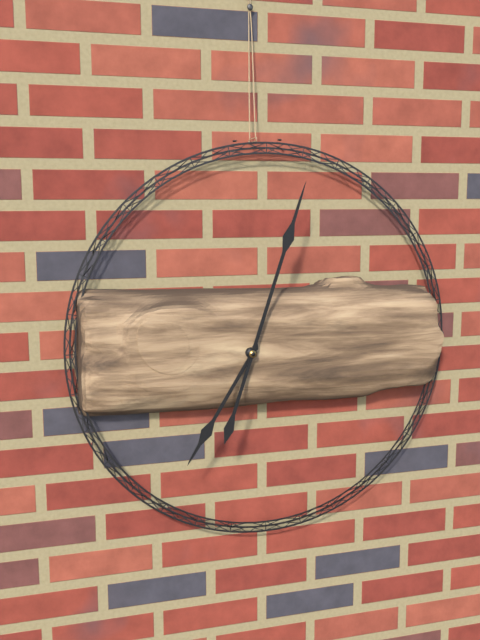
7:03
